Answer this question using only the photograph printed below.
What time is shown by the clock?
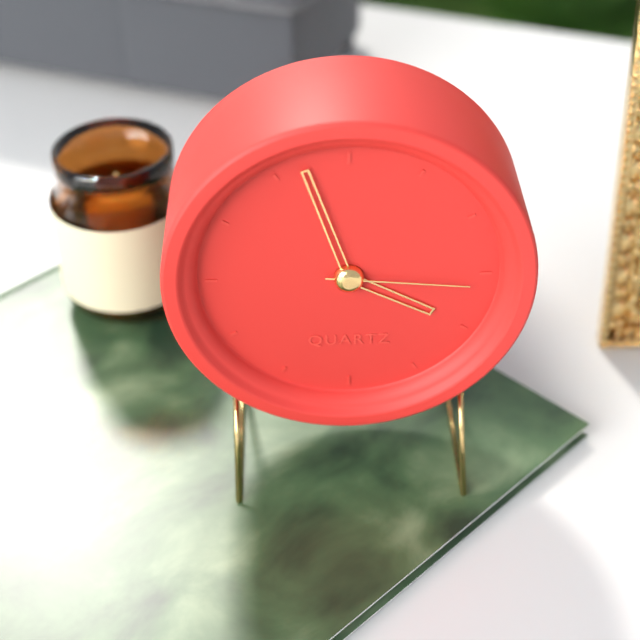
3:57:16
